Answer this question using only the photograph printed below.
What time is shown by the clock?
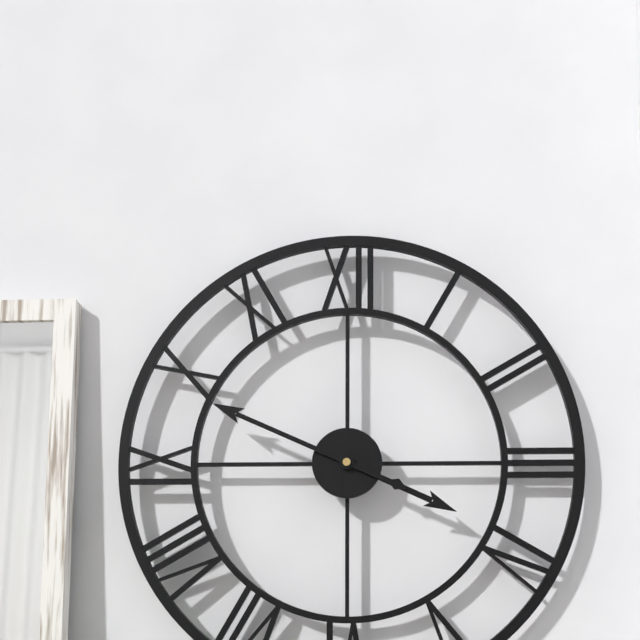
3:49
